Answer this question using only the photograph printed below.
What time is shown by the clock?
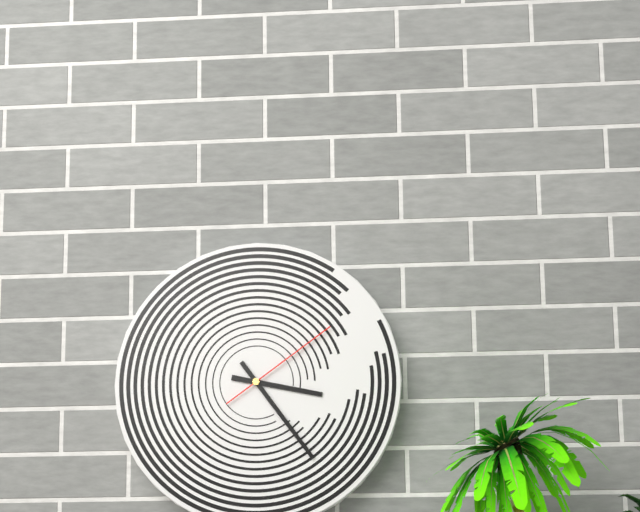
3:24:09
